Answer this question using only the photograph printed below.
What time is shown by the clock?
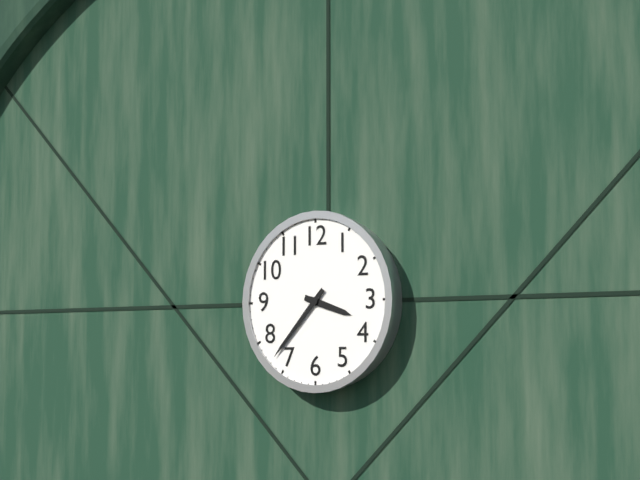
3:37
